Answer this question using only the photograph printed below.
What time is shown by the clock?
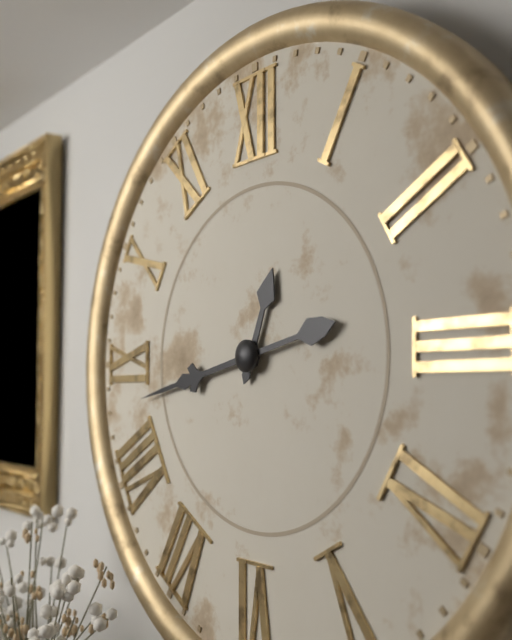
12:43
